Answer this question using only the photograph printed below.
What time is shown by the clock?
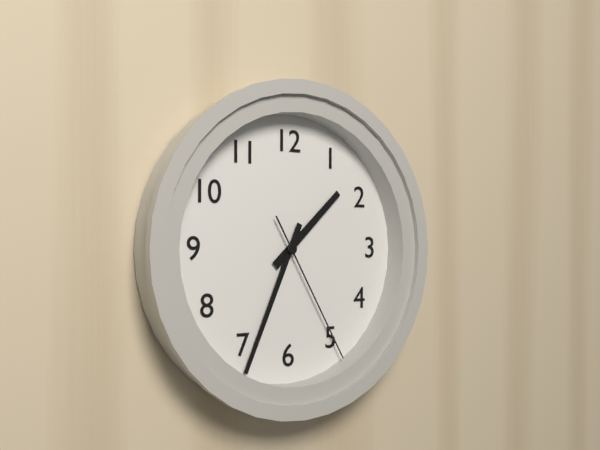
1:34:25
